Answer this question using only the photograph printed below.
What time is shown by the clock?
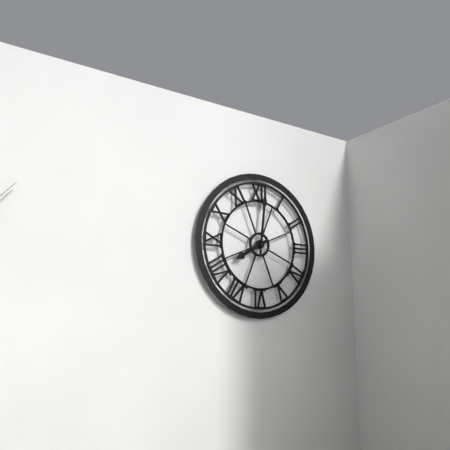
8:01
